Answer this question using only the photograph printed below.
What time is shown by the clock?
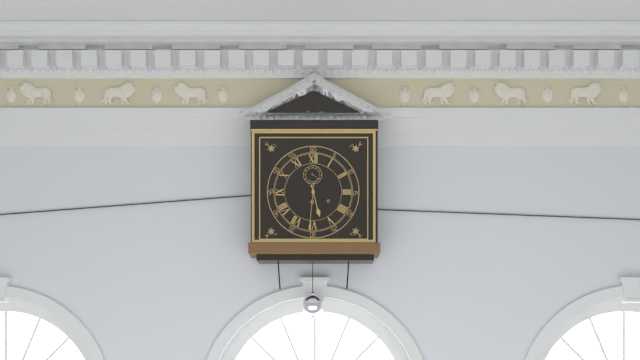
5:31
